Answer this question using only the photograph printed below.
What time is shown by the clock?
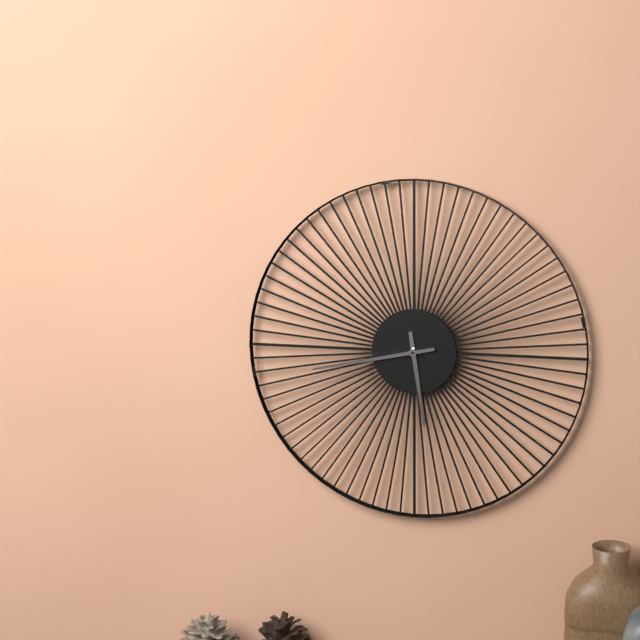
5:43
